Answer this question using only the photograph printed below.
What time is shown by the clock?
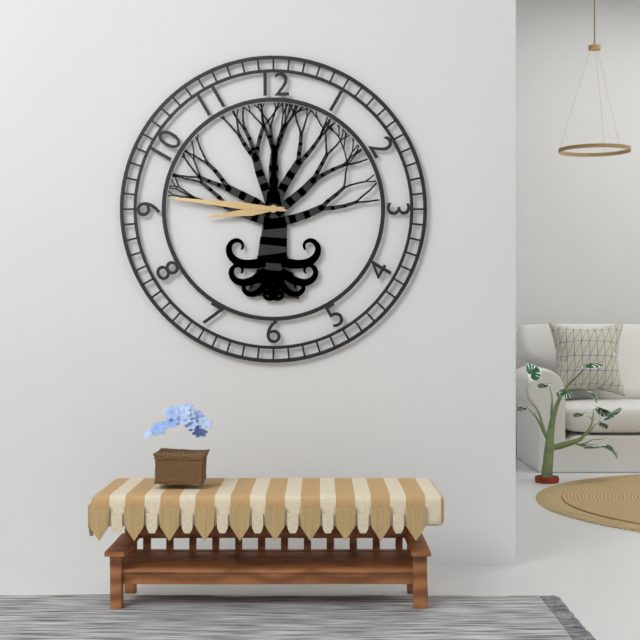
8:46
